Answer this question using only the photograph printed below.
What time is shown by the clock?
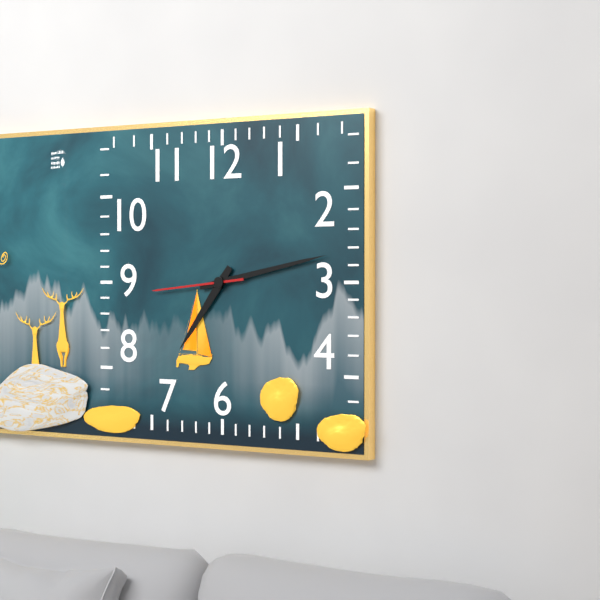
7:13:44
